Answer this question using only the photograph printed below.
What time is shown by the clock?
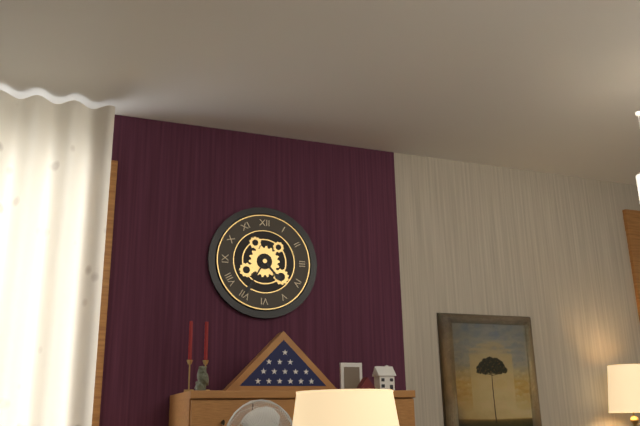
4:35
